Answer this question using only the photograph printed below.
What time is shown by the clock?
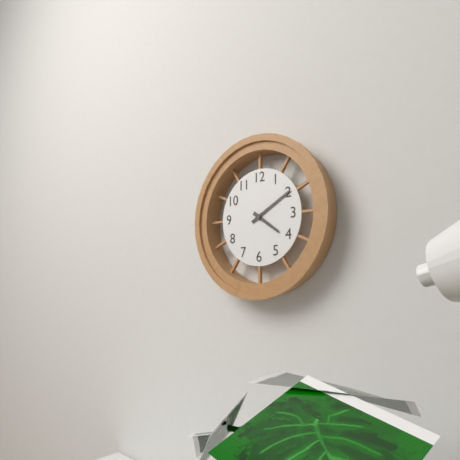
4:10
